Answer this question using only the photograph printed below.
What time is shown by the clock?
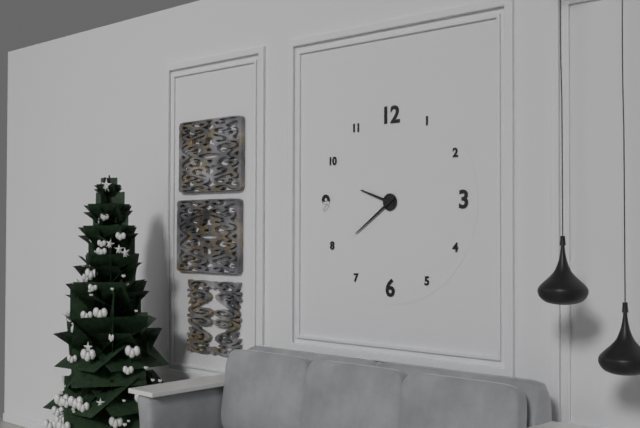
9:39
